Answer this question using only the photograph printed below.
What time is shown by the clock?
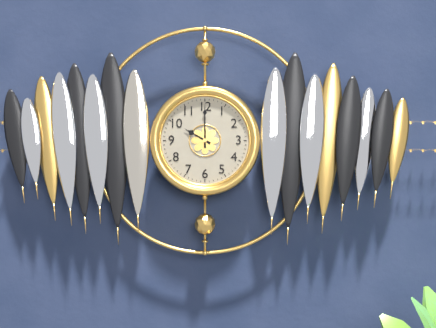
10:00
